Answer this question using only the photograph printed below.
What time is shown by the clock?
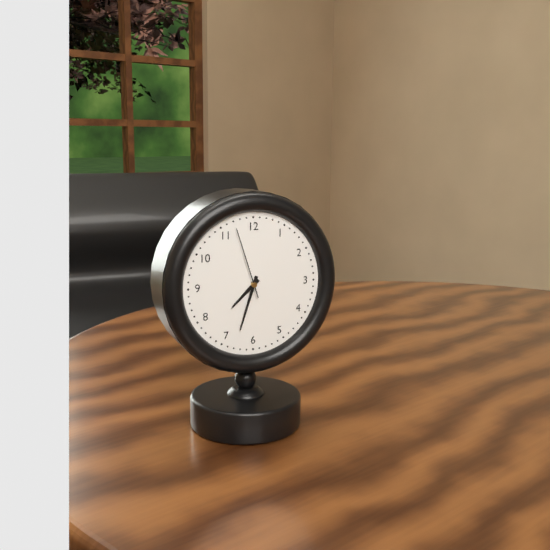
7:33:57
